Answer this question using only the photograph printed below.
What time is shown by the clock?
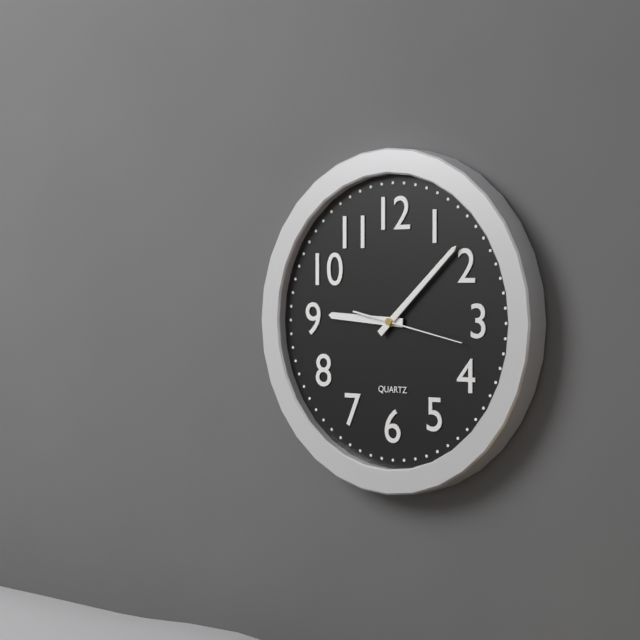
9:08:17
